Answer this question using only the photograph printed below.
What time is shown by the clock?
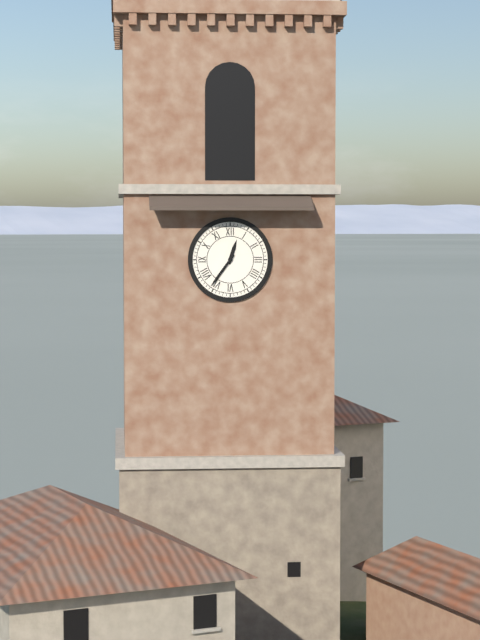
12:36
